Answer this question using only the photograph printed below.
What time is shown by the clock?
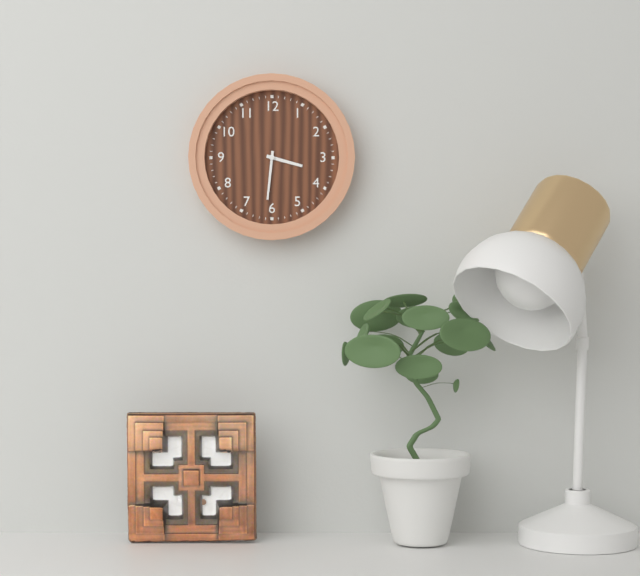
3:31
